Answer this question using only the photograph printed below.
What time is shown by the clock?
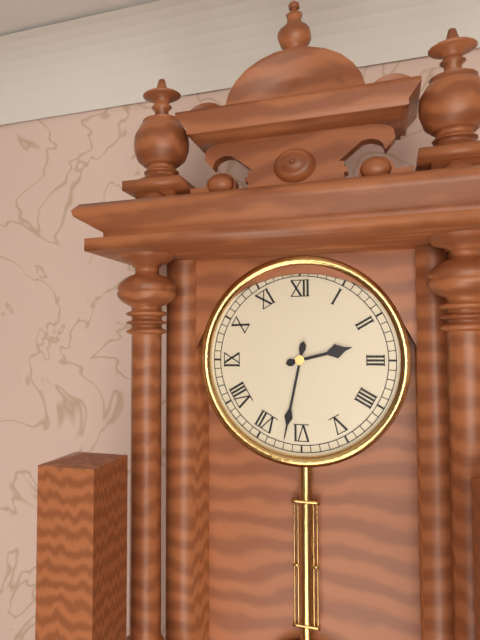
2:32
